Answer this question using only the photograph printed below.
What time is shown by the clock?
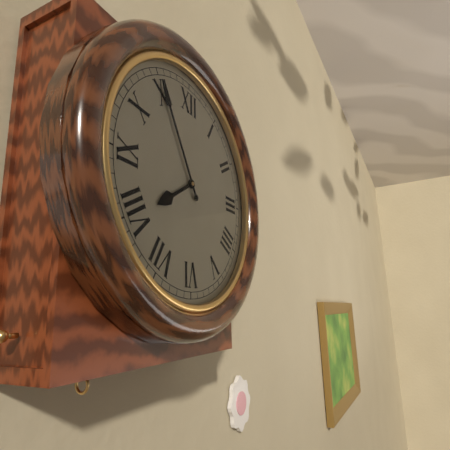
7:55
